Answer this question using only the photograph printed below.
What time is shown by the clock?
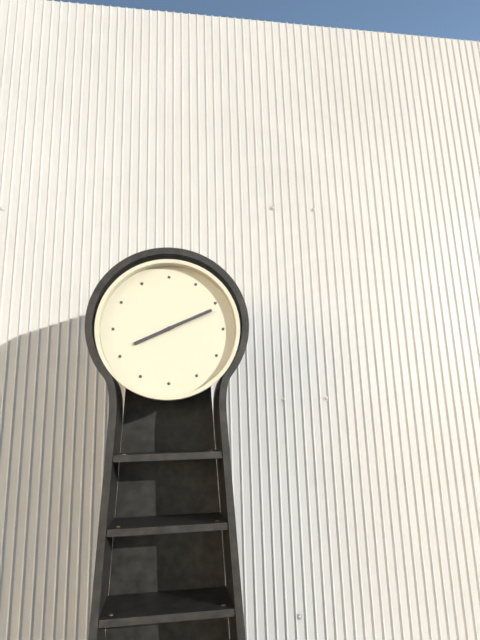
8:11
